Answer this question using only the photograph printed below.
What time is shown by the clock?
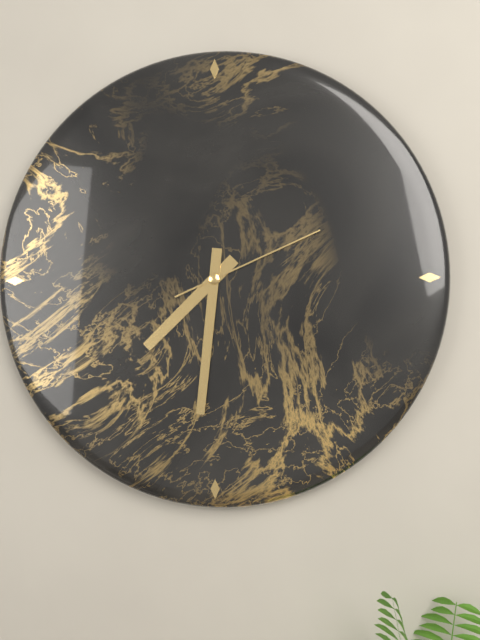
7:31:11
